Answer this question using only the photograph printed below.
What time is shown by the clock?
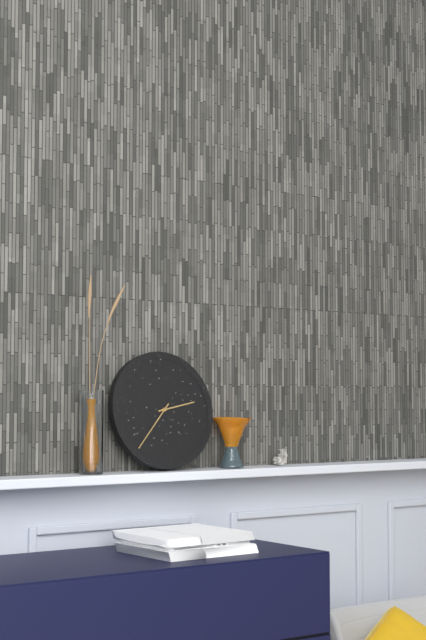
2:37
